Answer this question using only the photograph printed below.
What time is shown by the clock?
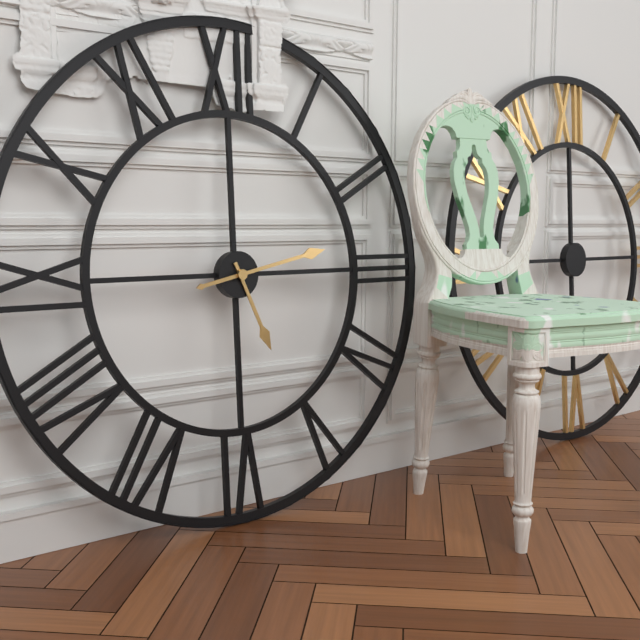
5:13
